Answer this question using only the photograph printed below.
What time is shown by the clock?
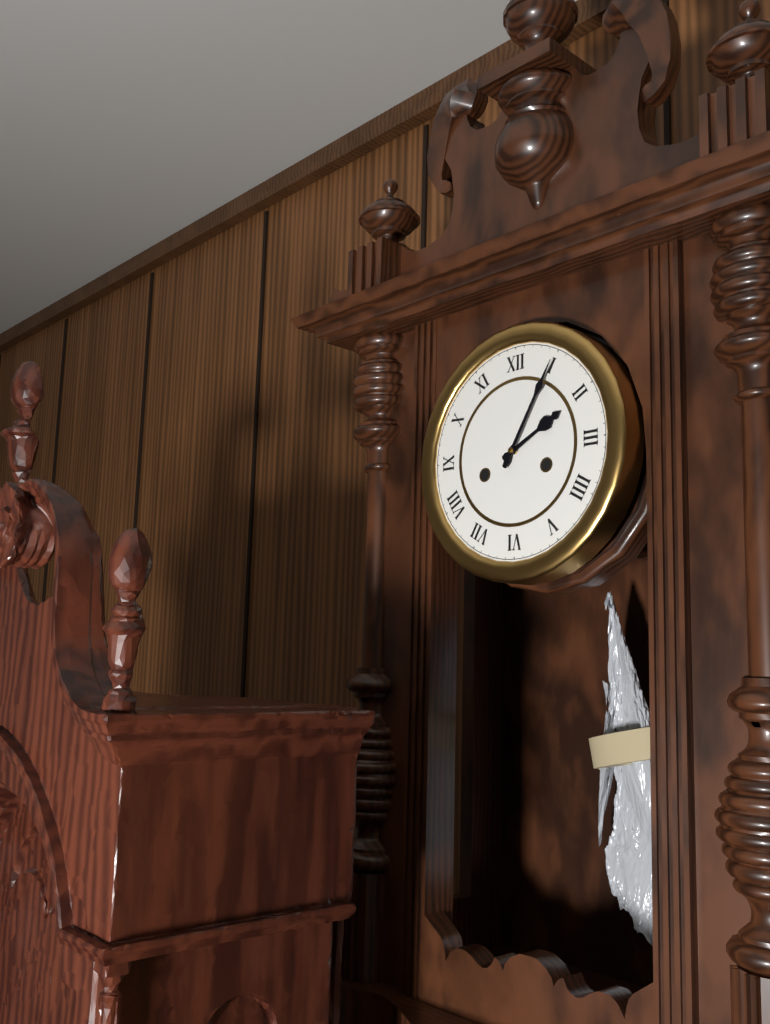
2:05
